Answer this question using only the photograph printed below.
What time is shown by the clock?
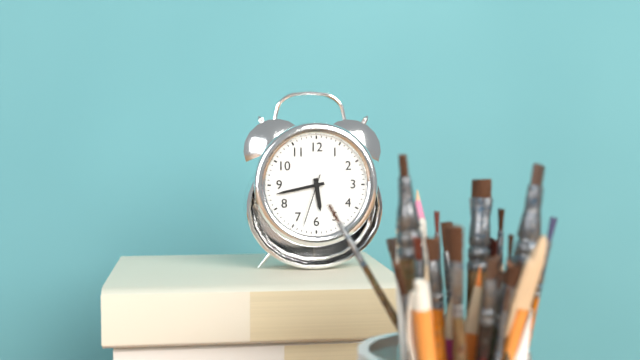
5:43:33
